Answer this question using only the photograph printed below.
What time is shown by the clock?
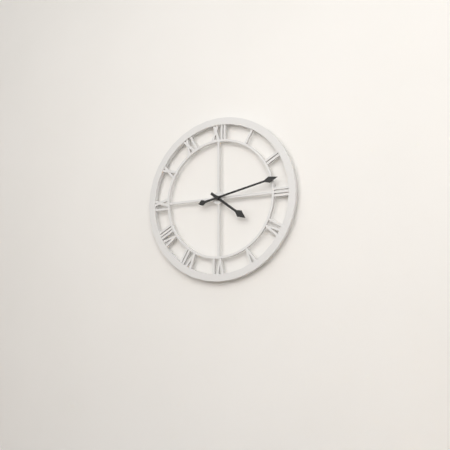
4:13
